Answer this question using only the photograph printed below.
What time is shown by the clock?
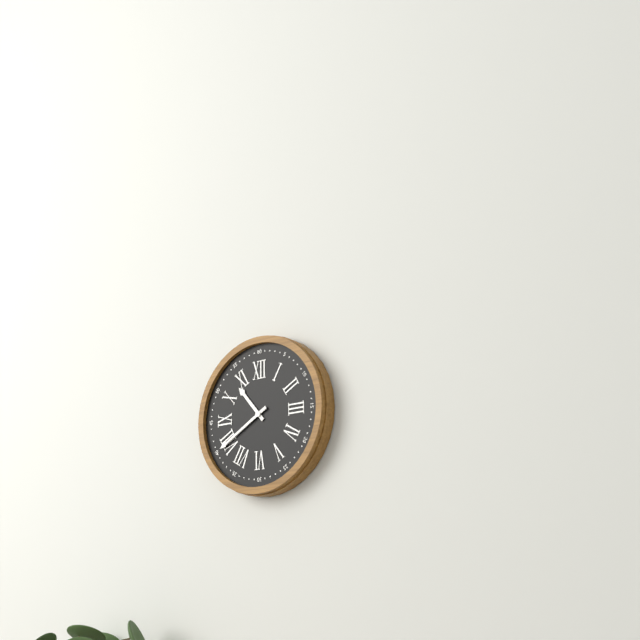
10:40
